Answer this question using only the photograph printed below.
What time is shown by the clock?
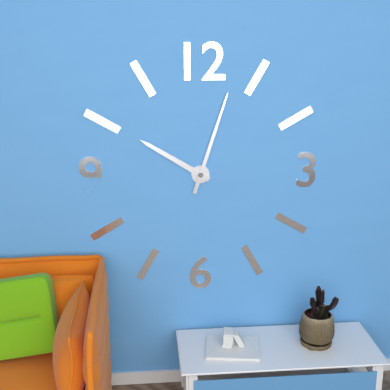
10:03
